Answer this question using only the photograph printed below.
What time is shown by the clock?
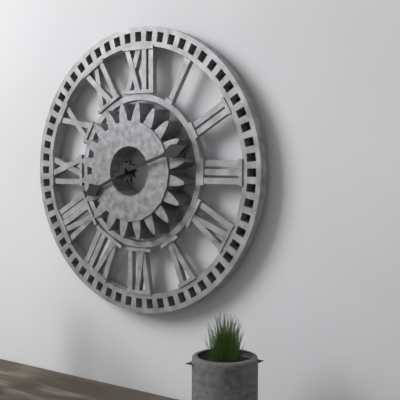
8:12
